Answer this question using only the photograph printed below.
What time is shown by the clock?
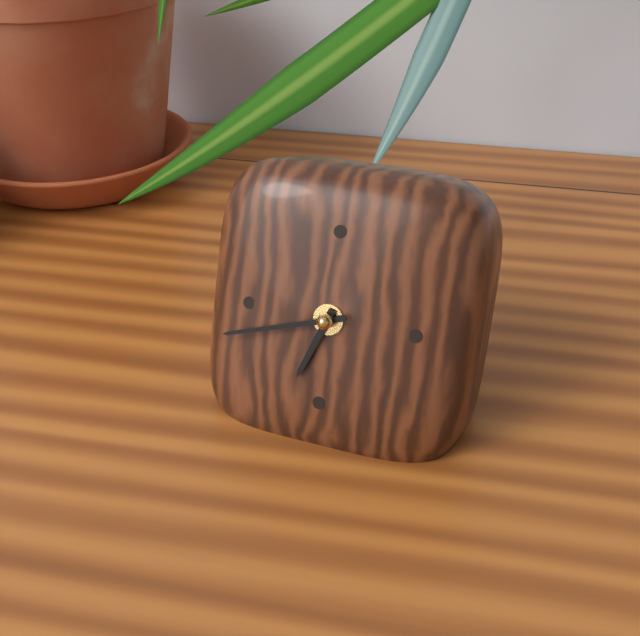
6:42
